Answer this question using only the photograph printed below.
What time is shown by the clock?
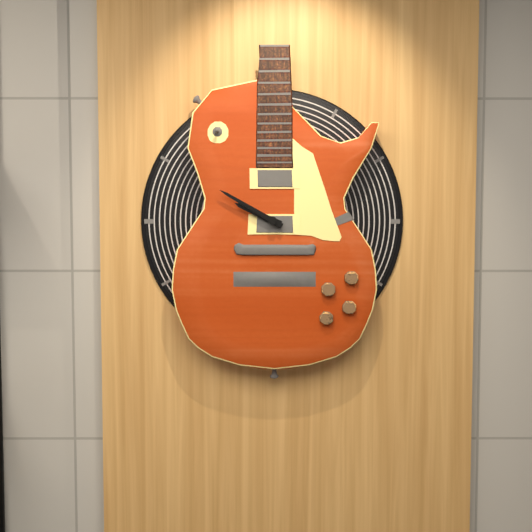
9:50
